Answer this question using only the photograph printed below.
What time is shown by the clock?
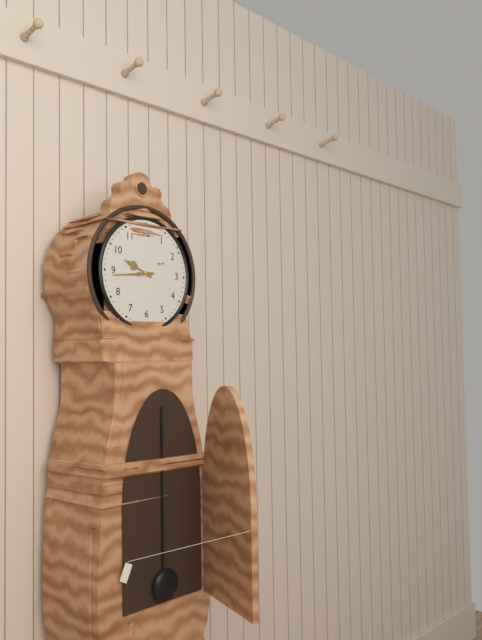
9:44
